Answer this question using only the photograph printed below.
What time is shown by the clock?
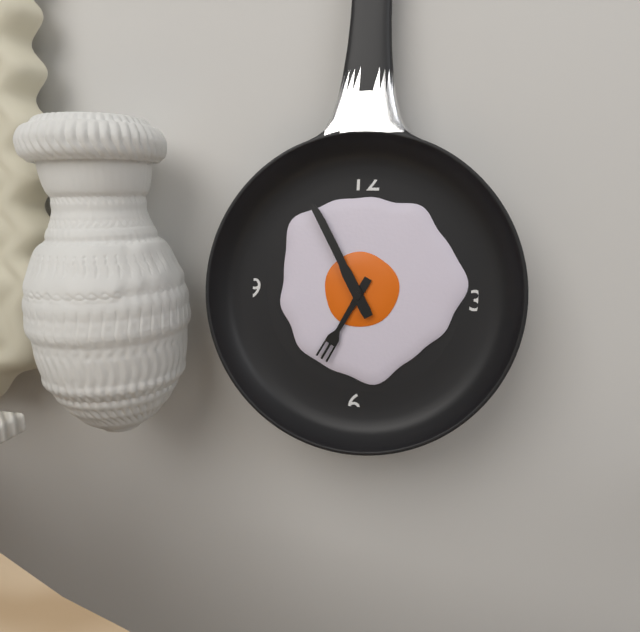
6:55
